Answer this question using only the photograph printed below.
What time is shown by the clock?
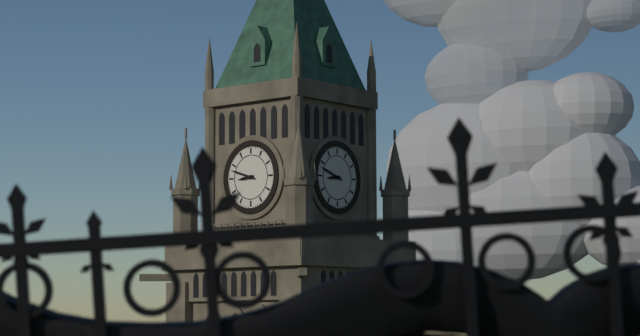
8:48
